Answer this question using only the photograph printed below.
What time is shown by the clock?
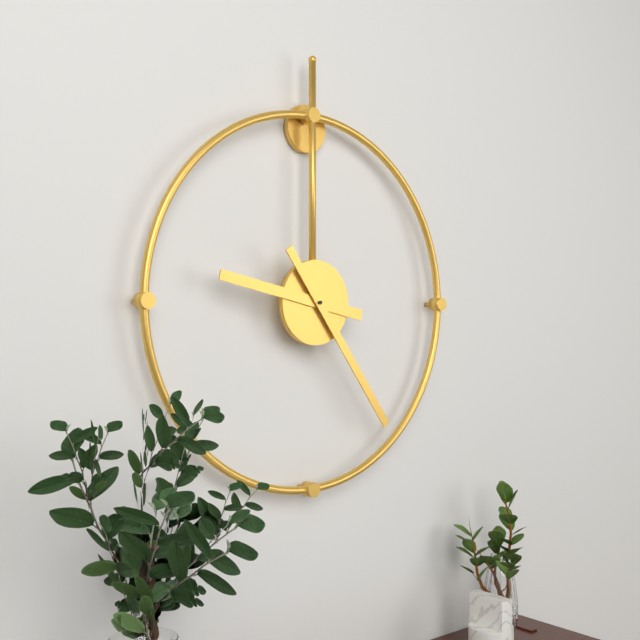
9:24
